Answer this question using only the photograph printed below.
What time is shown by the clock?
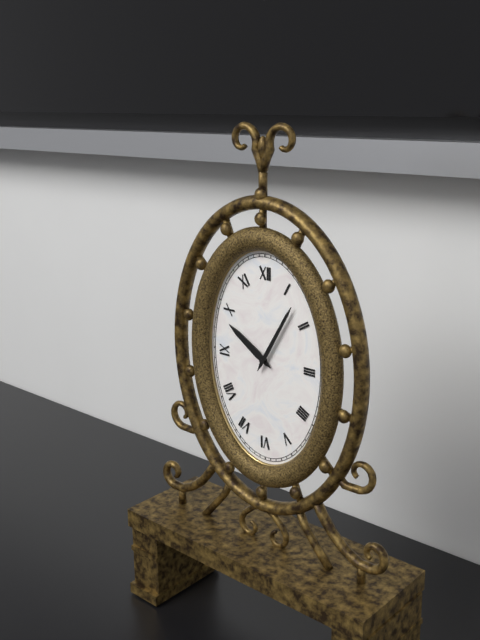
10:05
